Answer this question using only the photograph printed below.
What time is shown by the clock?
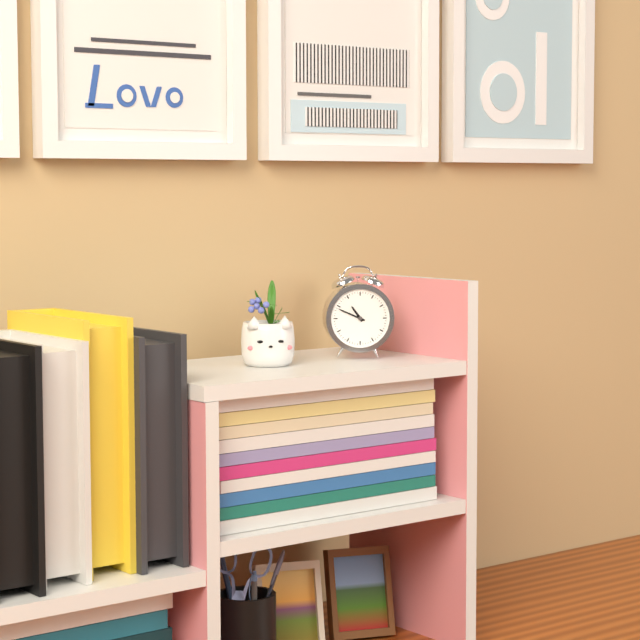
10:49
